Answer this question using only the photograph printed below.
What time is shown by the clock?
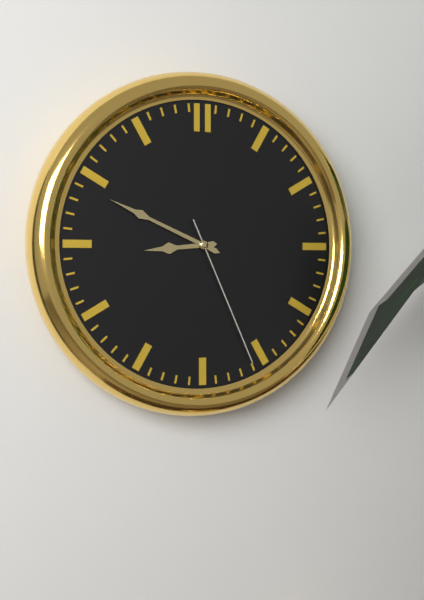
8:49:26
